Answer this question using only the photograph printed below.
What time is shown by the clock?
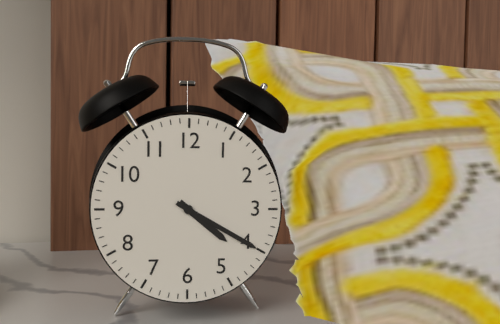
4:20
